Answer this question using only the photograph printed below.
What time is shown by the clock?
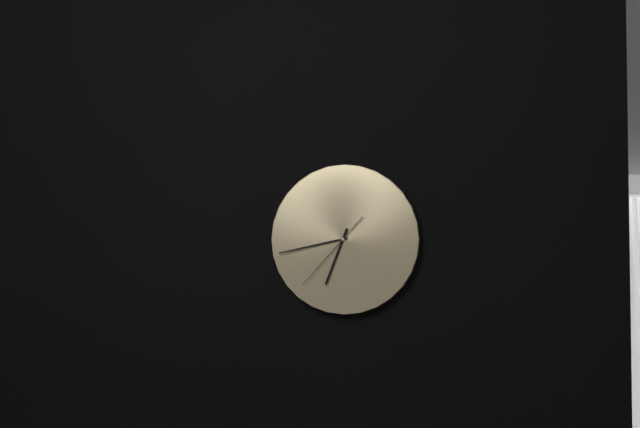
6:43:37
